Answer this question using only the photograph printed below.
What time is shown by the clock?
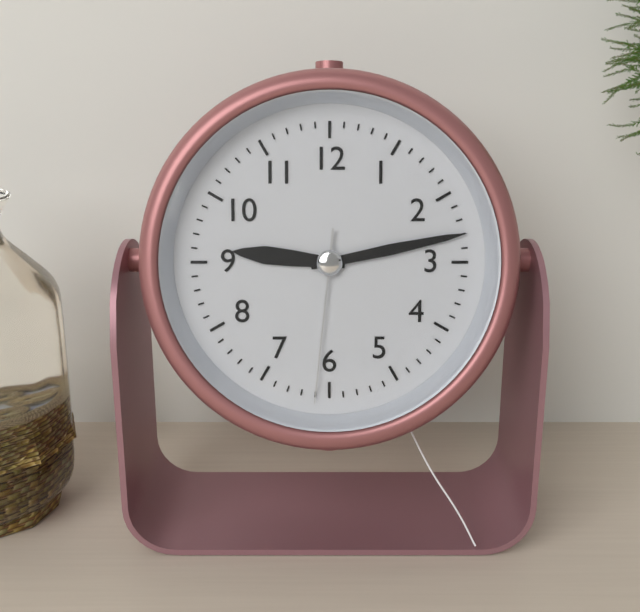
9:13:31
